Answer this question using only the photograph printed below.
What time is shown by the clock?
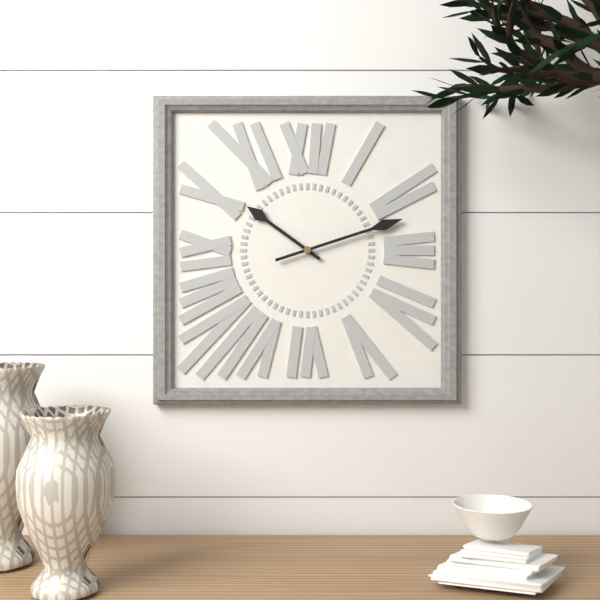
10:12
